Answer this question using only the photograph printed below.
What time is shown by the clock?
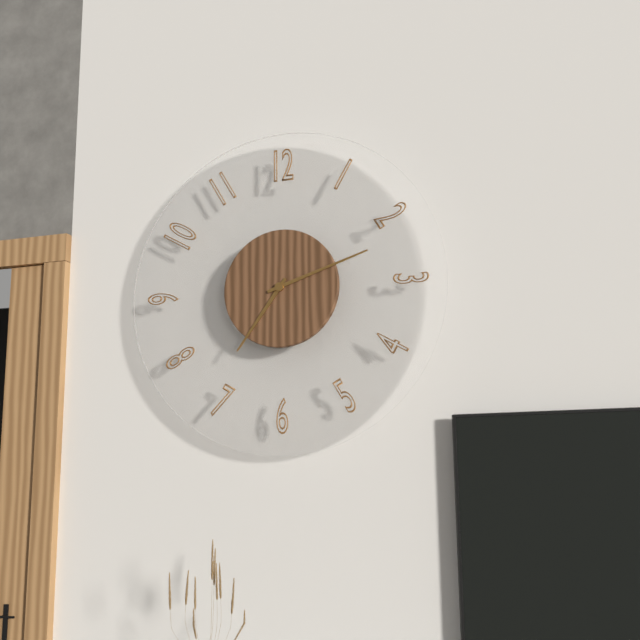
7:12
